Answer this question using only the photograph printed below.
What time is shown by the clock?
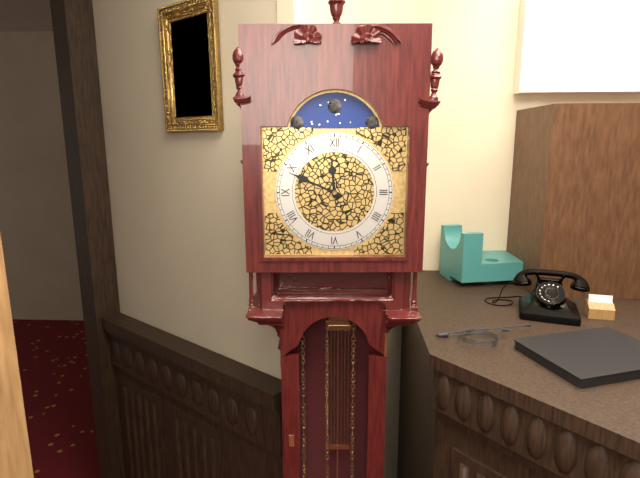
11:49
